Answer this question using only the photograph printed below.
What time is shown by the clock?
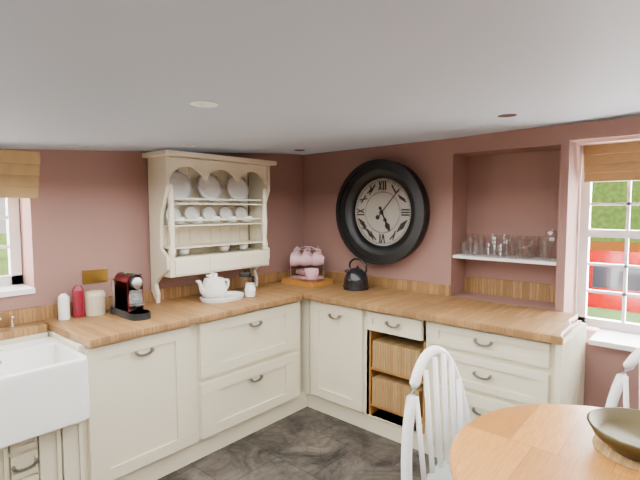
5:07
